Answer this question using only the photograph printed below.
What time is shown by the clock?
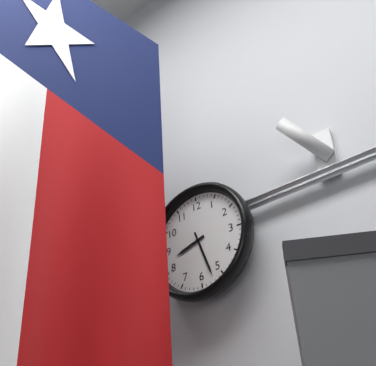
8:27
